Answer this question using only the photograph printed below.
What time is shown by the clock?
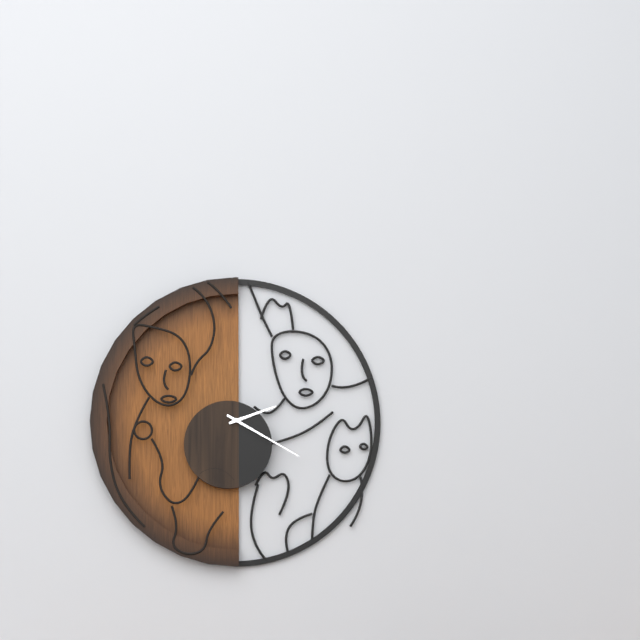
2:20
